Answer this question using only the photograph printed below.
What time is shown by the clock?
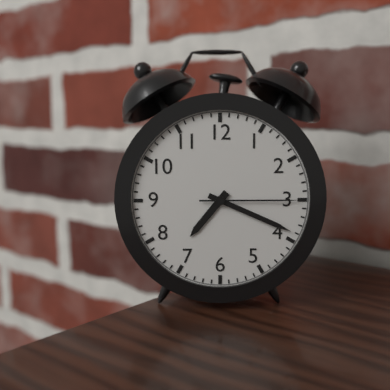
7:19:15
